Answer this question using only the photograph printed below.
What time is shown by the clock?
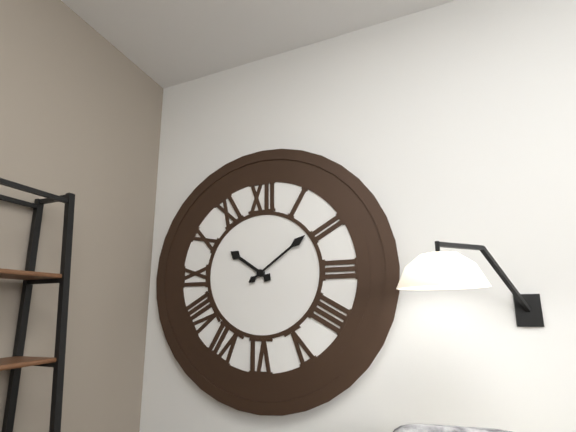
10:09
